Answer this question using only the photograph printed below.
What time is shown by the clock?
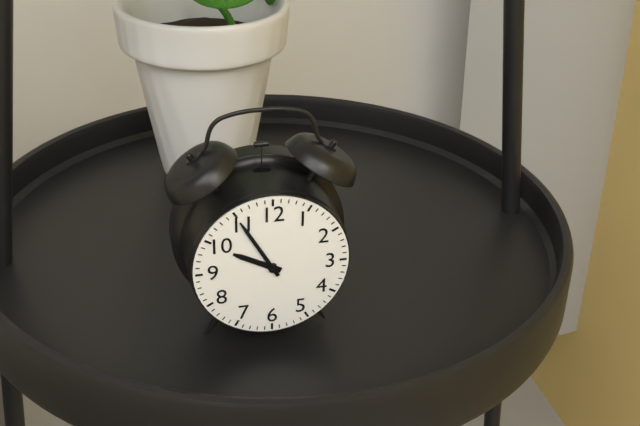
9:55
